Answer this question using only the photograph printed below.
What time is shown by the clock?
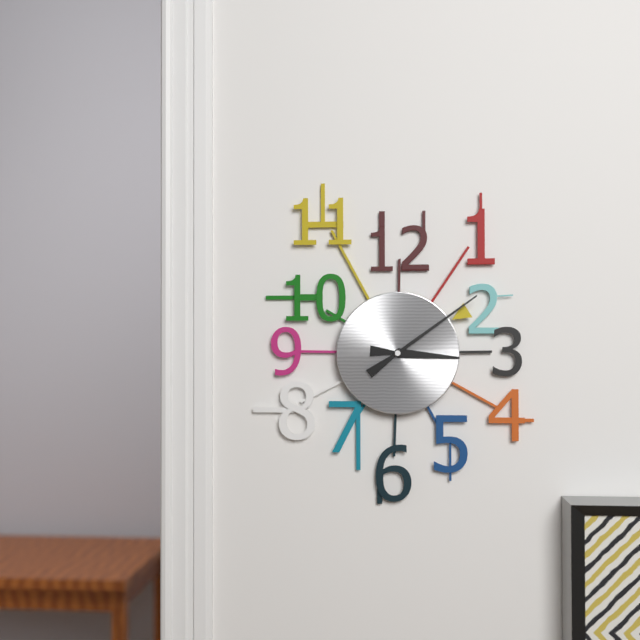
3:09
